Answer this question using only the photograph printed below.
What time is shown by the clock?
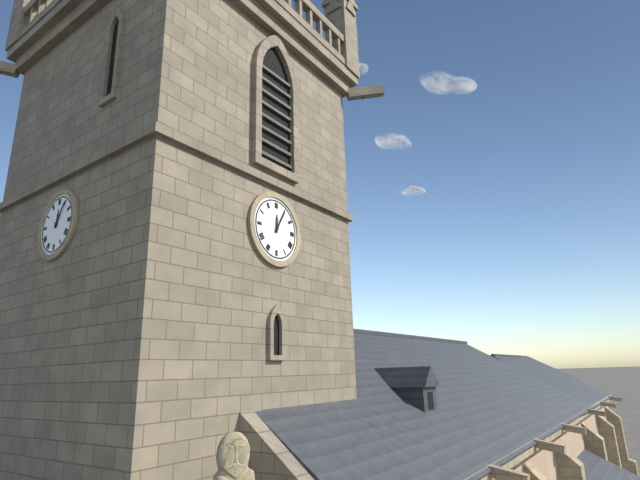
12:05
